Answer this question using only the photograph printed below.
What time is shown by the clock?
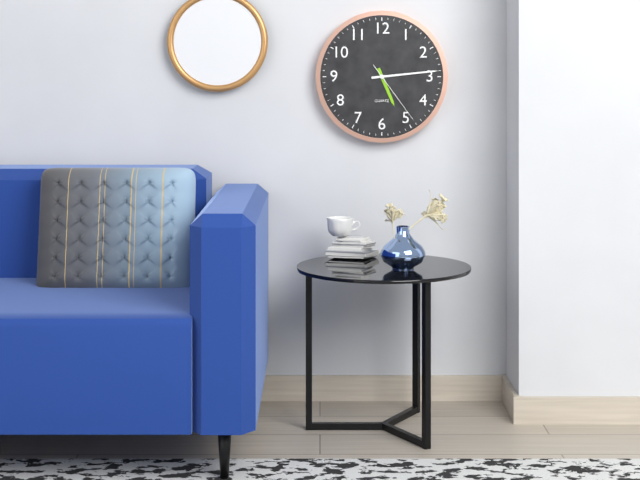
5:14:24
